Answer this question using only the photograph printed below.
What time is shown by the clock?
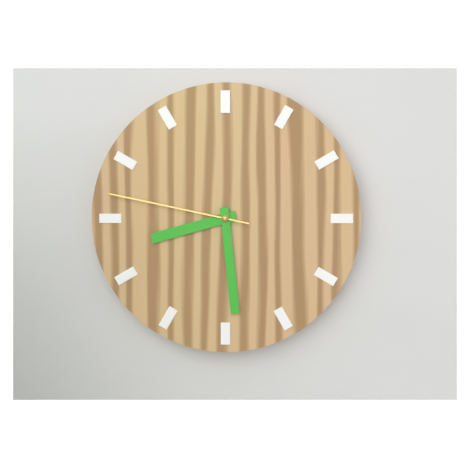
8:29:47
